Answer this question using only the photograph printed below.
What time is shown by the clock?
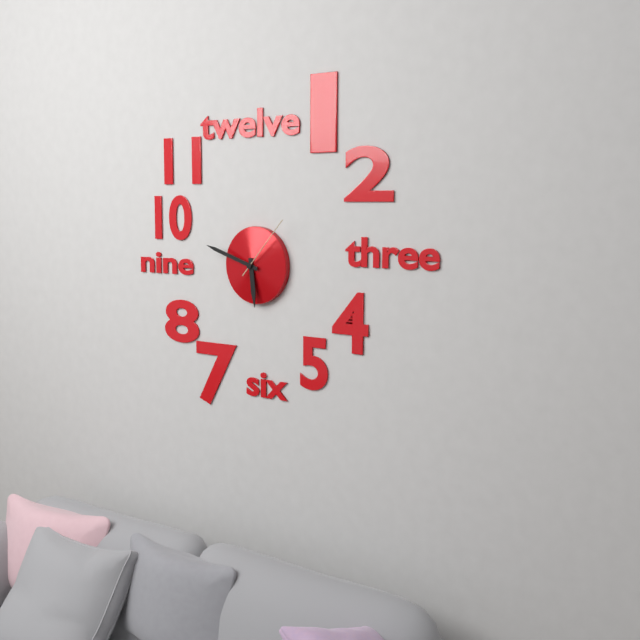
5:48:07
